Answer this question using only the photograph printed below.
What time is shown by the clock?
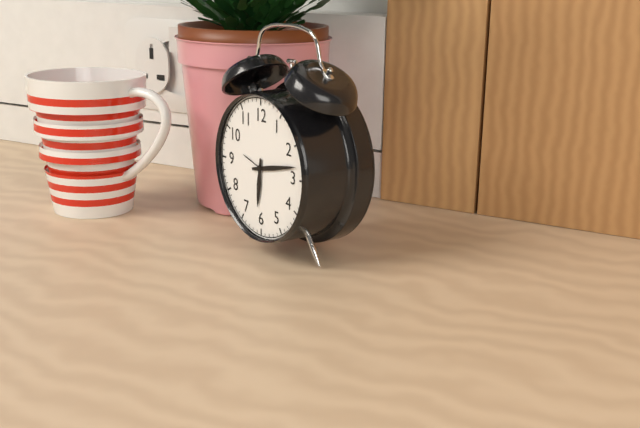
6:13
